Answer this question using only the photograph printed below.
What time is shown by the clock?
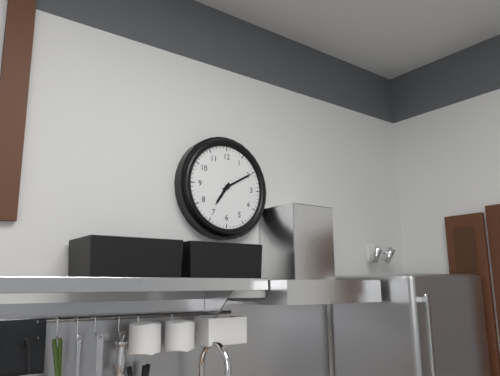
7:10
